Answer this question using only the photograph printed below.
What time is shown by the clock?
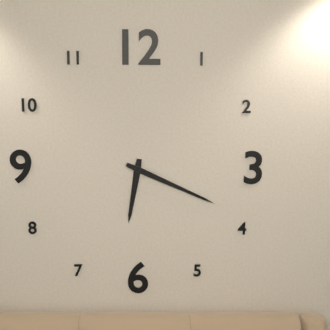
6:19
